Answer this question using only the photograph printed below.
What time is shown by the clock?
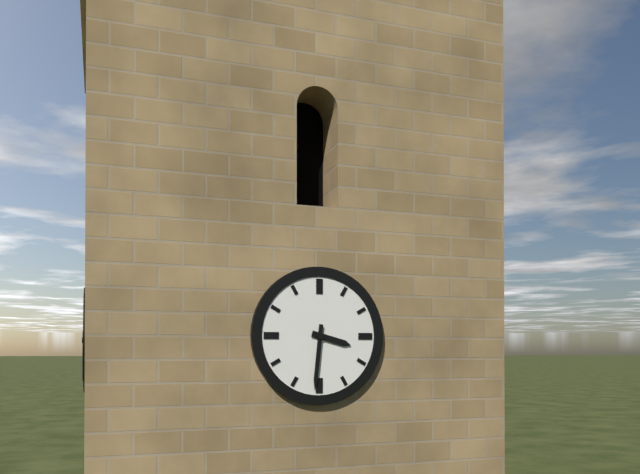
3:31
